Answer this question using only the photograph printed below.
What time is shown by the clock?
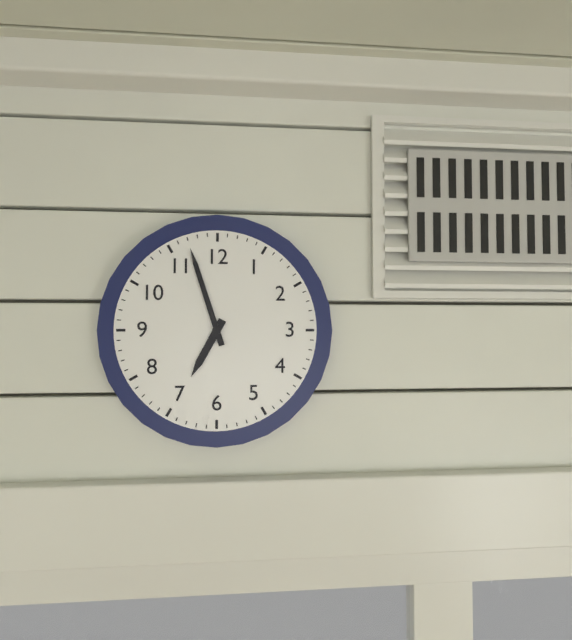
6:57
